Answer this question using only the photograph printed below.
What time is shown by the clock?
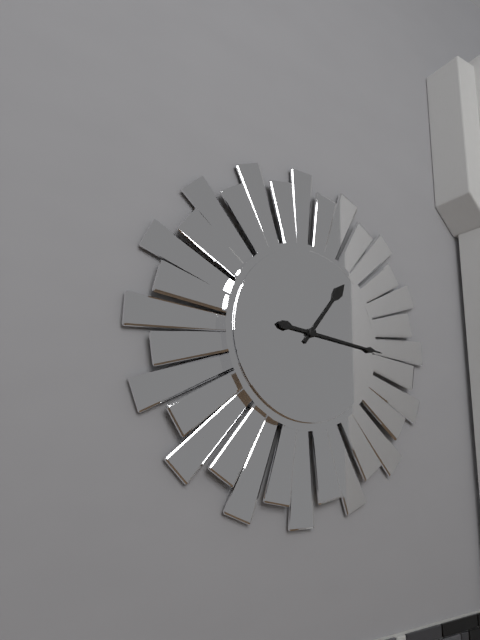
1:16
